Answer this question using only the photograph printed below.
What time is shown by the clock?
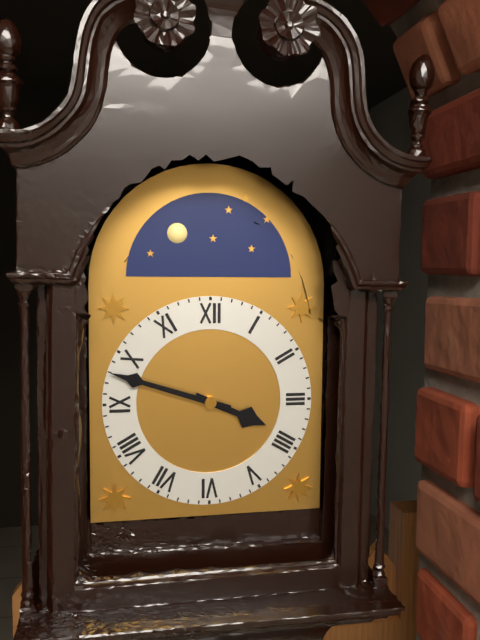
3:48
